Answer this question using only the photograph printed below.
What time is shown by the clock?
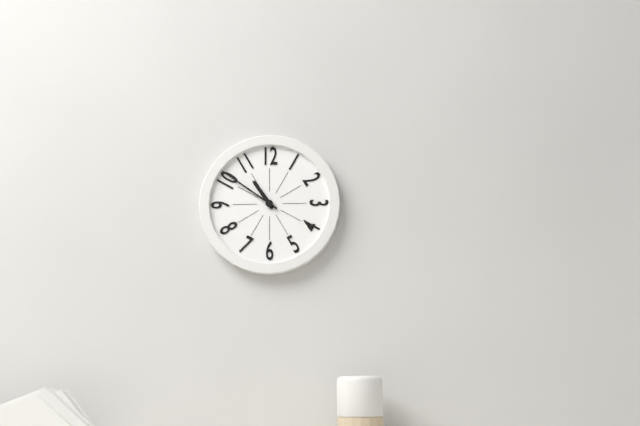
10:51
